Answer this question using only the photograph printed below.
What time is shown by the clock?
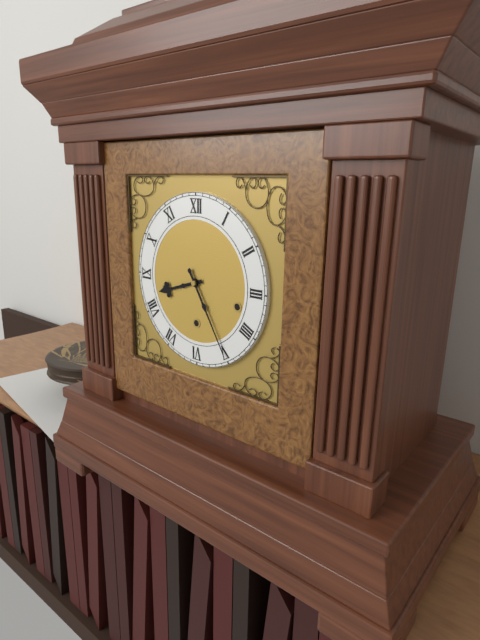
8:25
